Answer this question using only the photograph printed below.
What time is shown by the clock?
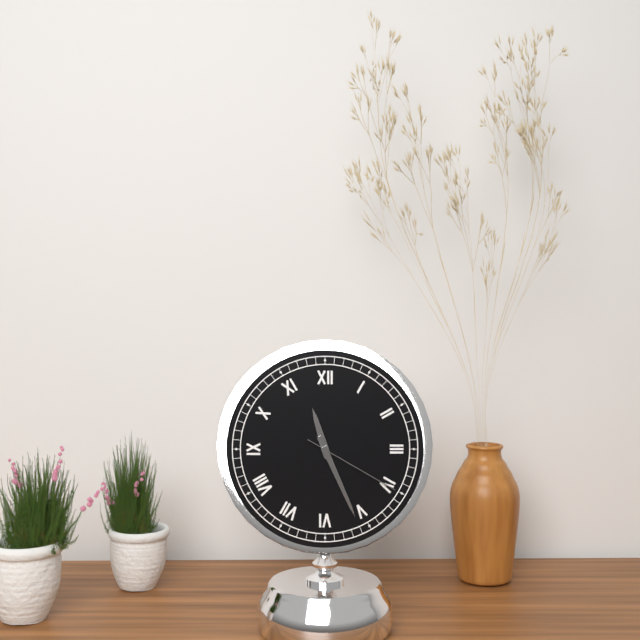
11:26:20
